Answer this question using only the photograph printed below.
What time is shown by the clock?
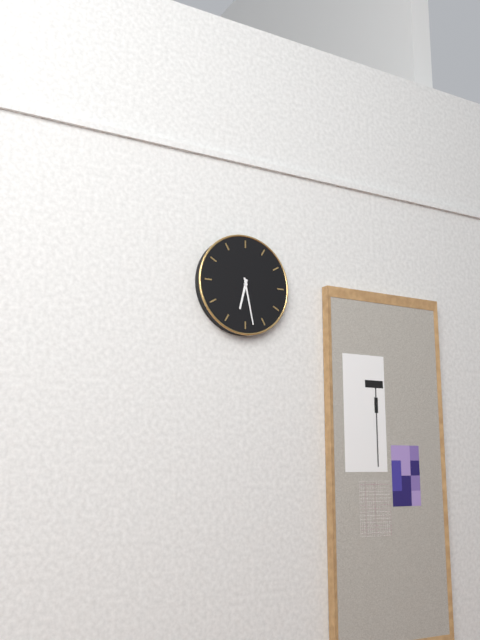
6:28
